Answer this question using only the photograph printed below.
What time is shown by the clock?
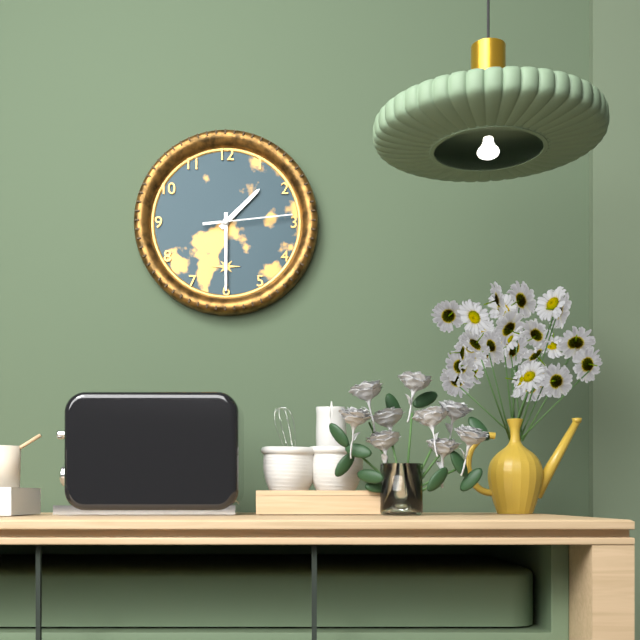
1:30:14
